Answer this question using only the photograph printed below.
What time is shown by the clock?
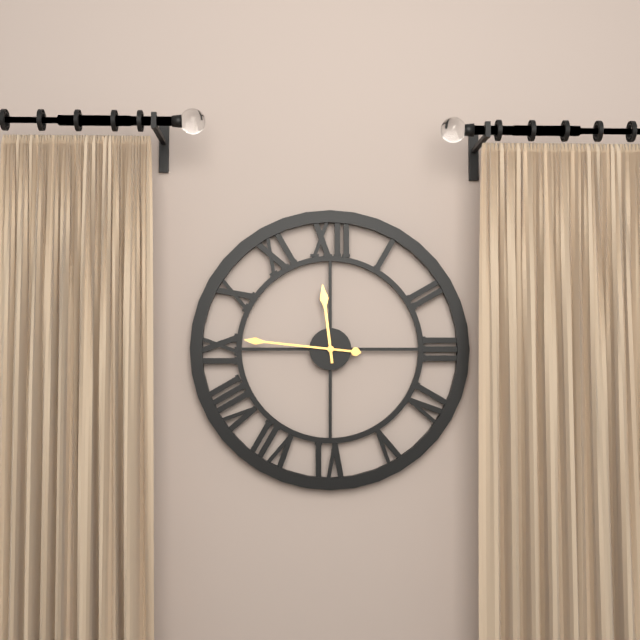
11:46
